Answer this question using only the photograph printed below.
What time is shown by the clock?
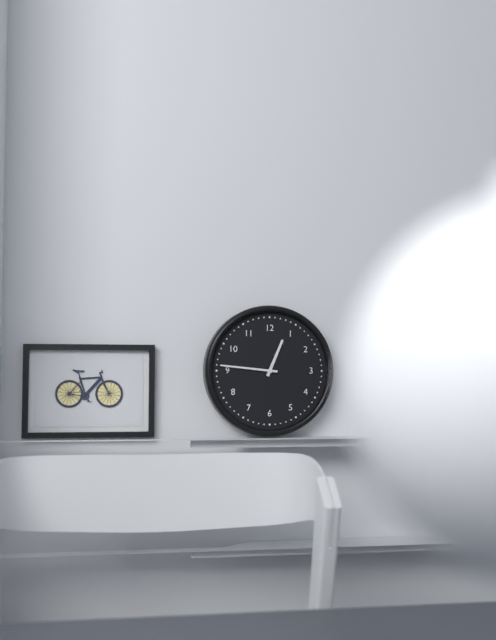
12:46
